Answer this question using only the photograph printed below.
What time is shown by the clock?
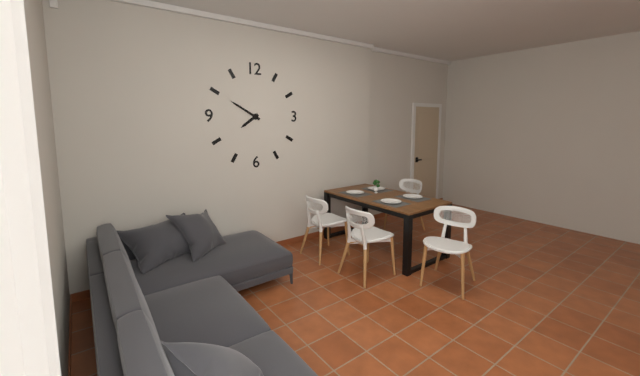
7:50
